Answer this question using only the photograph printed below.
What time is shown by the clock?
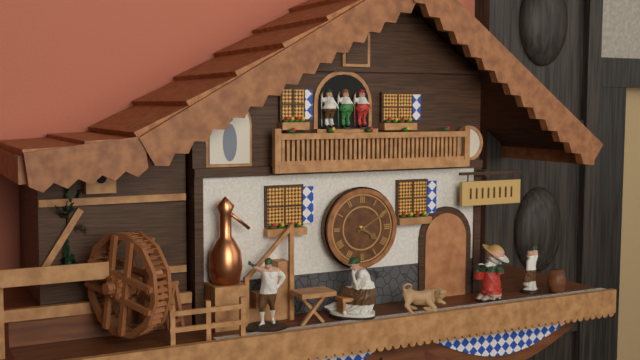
4:10
